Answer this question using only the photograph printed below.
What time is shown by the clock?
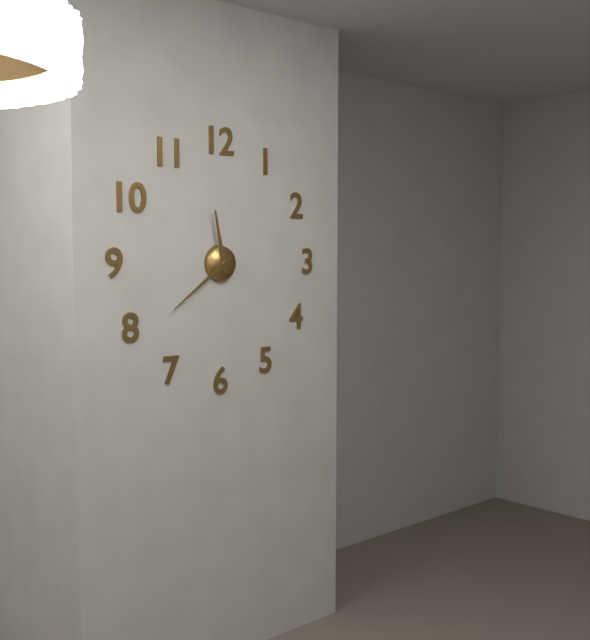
11:39
